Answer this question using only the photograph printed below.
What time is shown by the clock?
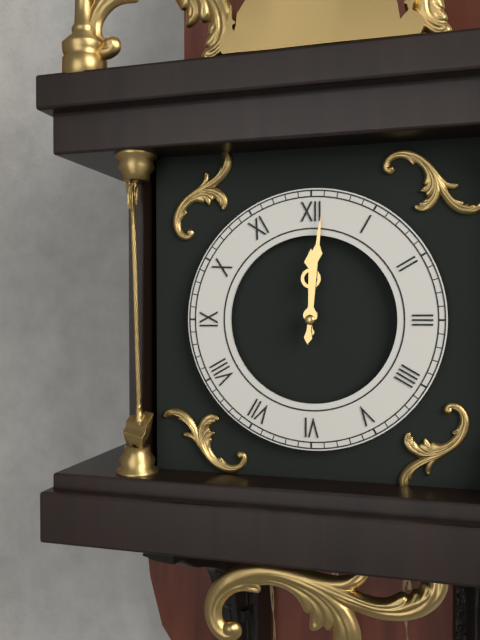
12:01
